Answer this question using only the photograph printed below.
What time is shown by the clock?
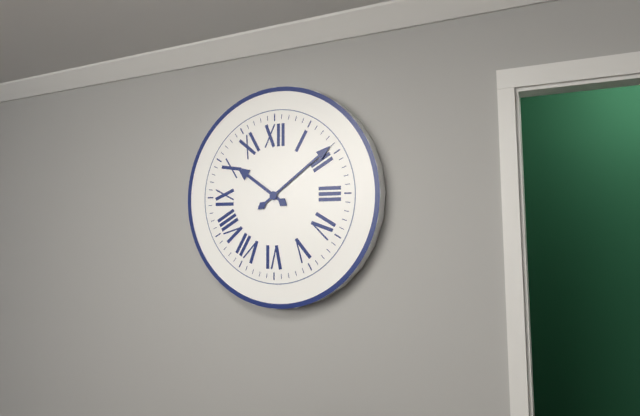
10:09
